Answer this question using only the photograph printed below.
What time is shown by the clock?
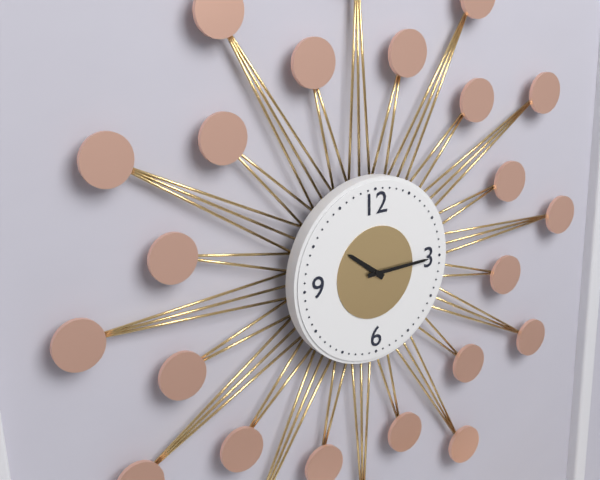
10:15
